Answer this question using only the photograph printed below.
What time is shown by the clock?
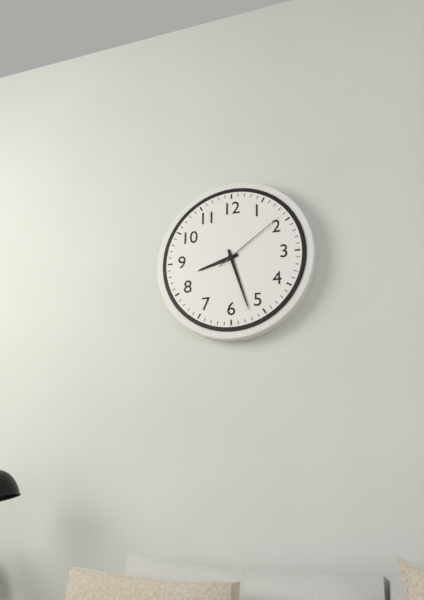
8:27:09
